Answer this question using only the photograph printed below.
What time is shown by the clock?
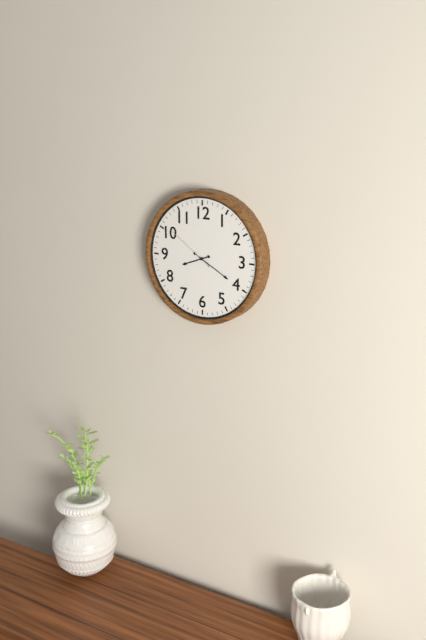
8:20:51
